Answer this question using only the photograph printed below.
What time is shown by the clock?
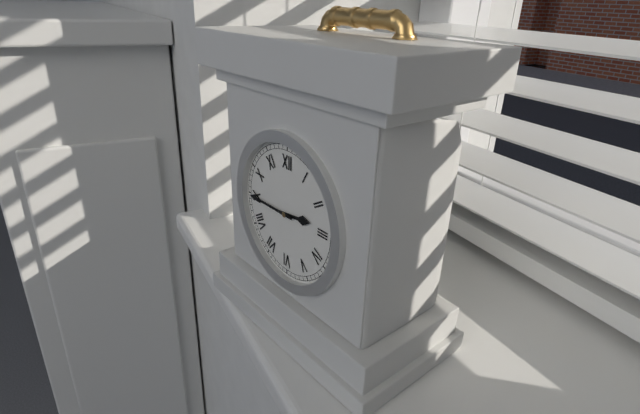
2:45
